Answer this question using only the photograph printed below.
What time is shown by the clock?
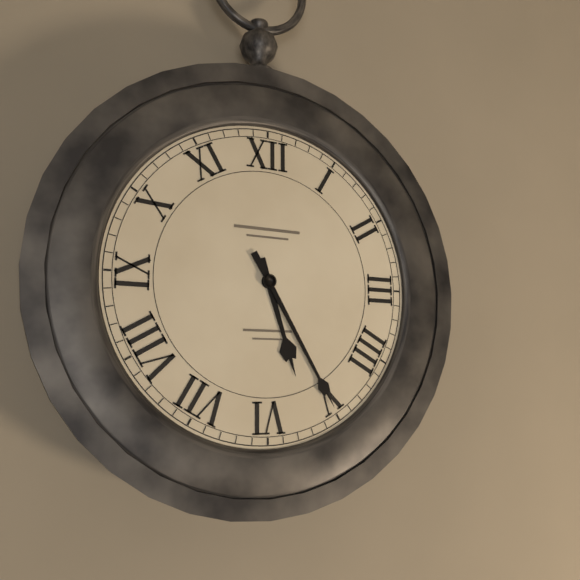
5:25
